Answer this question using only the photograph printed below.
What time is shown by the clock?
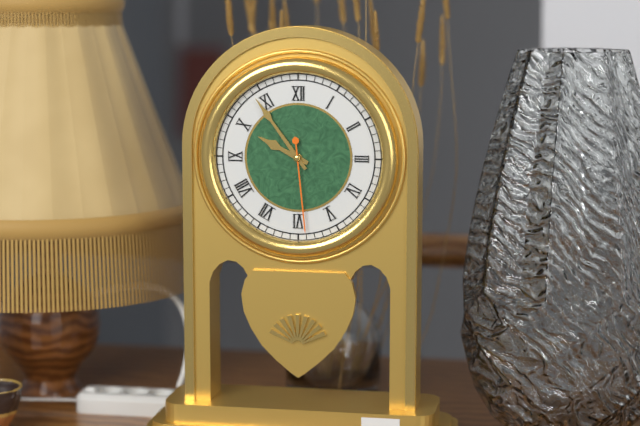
9:54:29
